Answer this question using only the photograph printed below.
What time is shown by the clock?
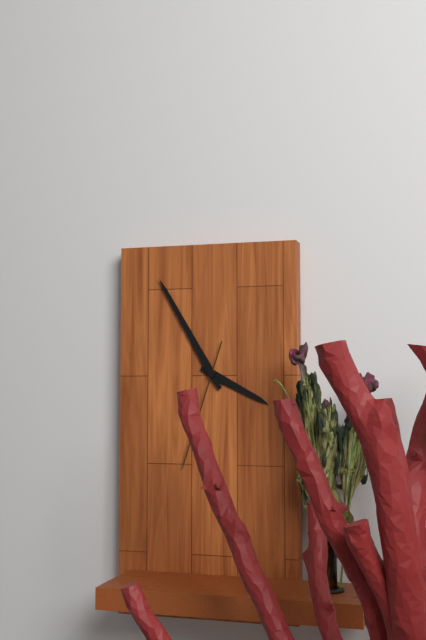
3:55:33
